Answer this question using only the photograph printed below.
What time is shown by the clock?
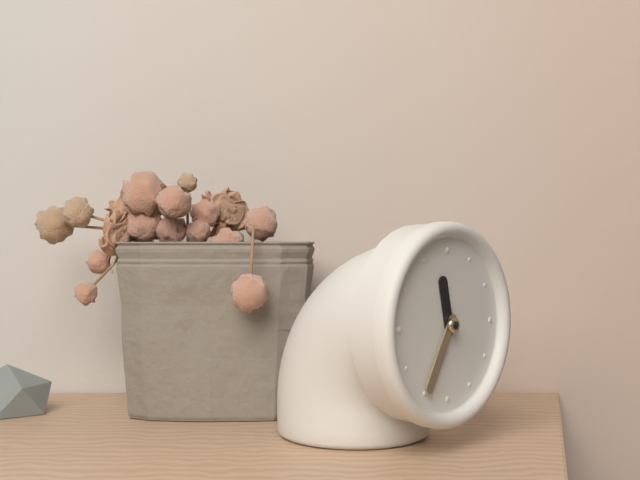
11:35
